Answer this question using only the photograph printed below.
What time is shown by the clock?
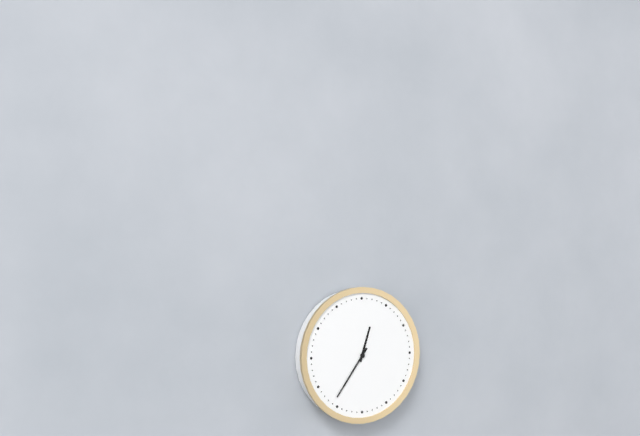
12:36
